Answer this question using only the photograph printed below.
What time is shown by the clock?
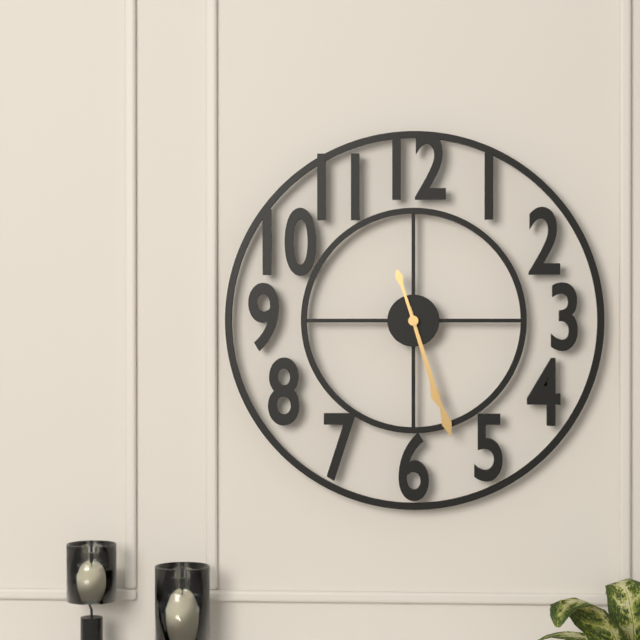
5:27
